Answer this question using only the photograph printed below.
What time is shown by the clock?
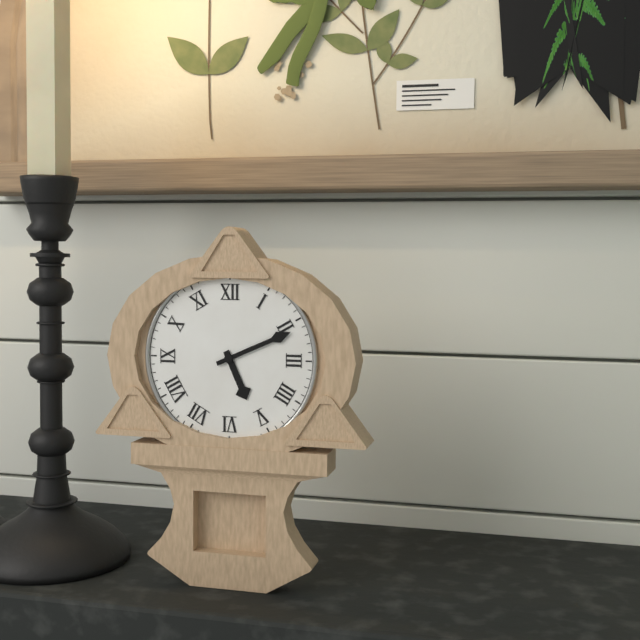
5:11
